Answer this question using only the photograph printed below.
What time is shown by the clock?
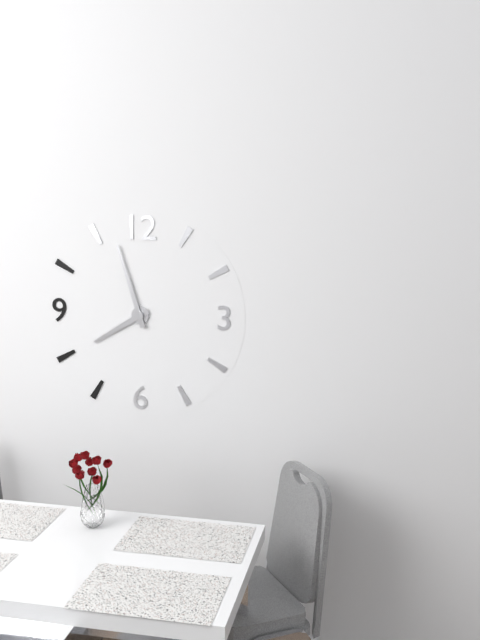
7:57
